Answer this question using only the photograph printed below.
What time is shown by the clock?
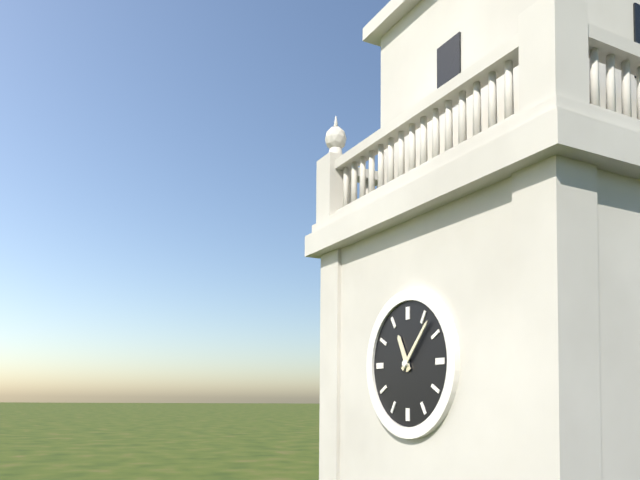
11:07
